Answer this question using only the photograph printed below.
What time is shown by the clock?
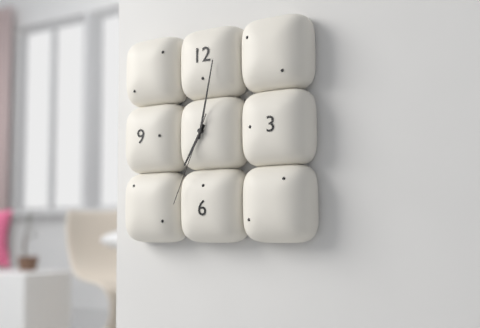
7:02:34
